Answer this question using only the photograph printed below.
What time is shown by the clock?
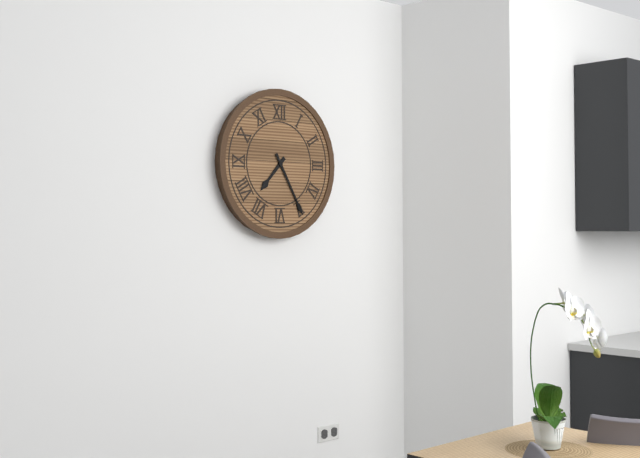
7:25
